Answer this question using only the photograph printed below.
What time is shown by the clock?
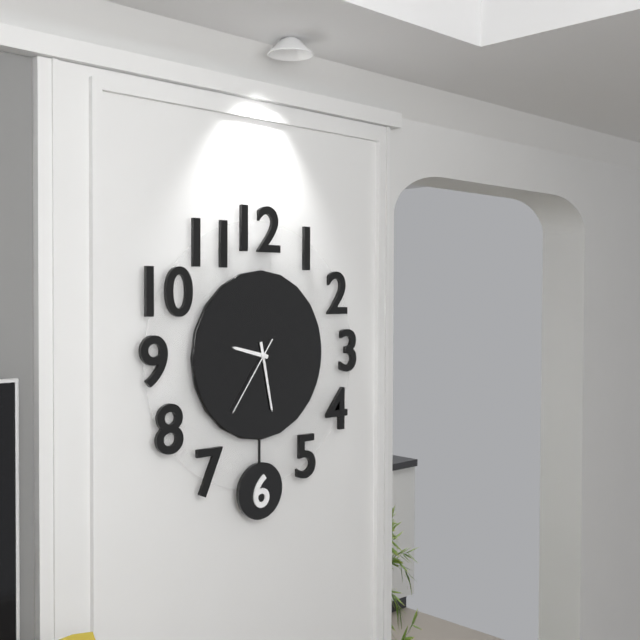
9:28:36
